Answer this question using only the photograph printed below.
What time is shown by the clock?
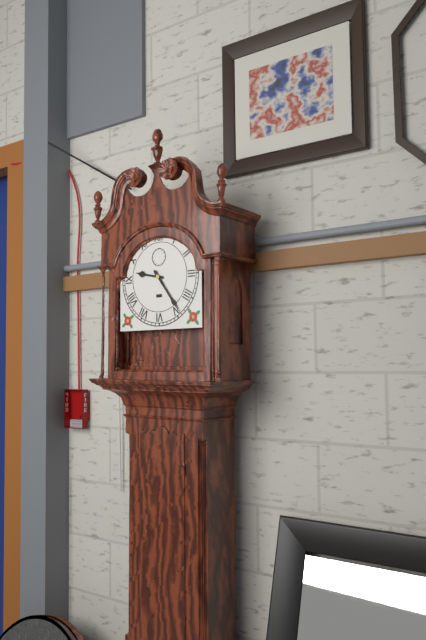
9:24
